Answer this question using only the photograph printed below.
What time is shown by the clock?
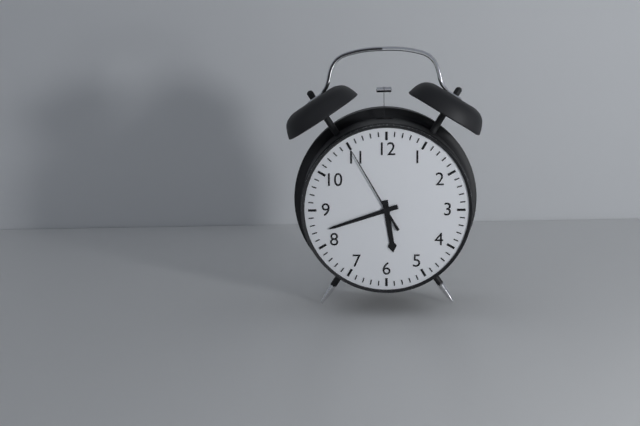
5:42:55
